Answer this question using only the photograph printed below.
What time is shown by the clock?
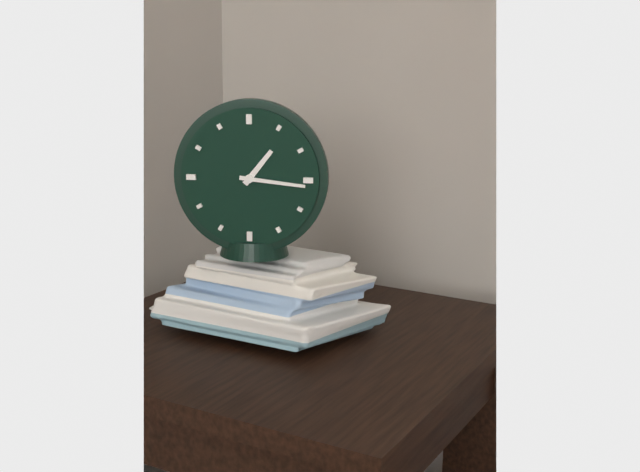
1:16
